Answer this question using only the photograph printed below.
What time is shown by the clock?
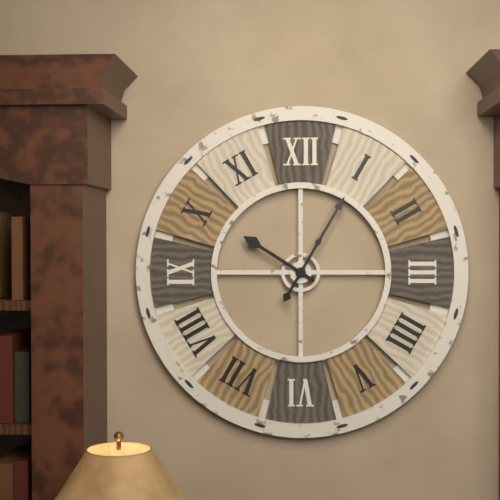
10:05
